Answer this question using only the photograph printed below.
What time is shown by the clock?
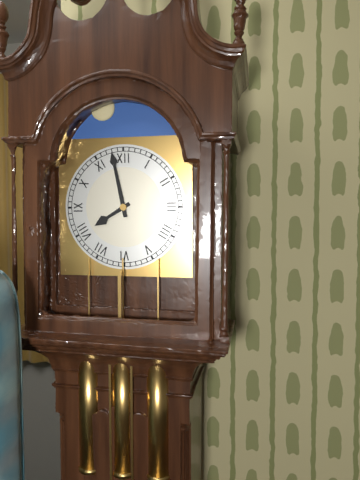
7:58
